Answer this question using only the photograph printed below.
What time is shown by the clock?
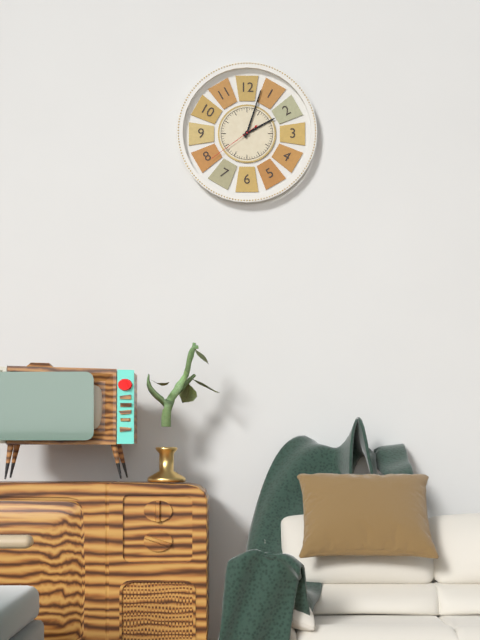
2:03:39
